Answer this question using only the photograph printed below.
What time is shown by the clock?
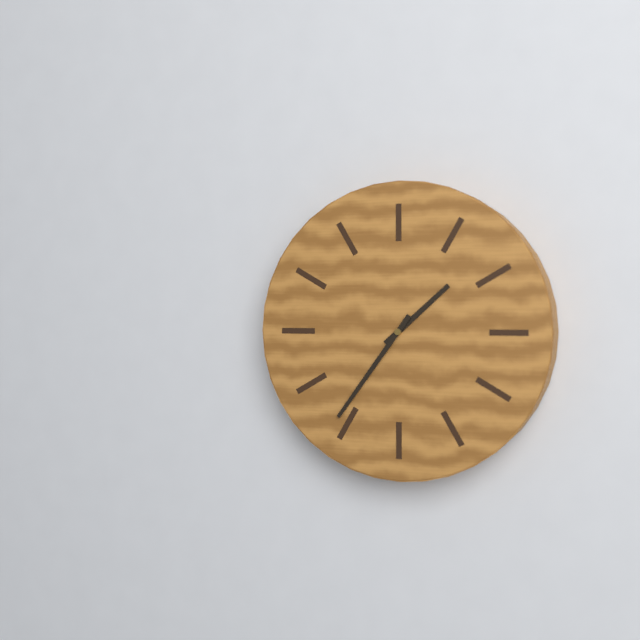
1:36
